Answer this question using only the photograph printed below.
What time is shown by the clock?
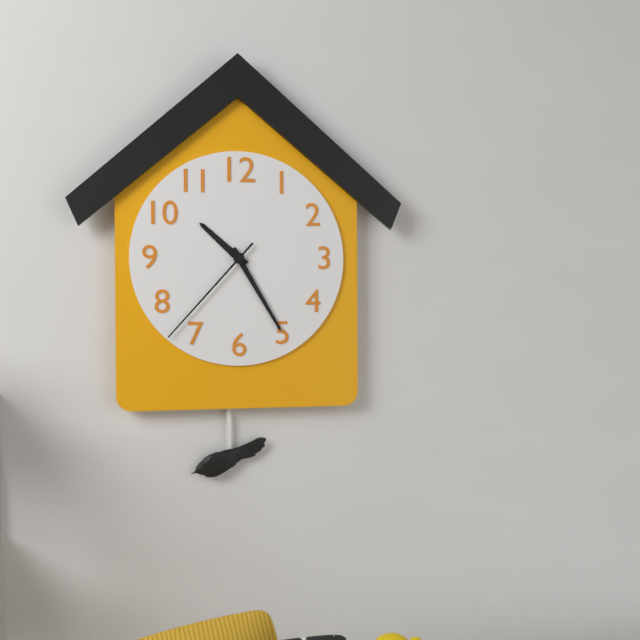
10:25:37
